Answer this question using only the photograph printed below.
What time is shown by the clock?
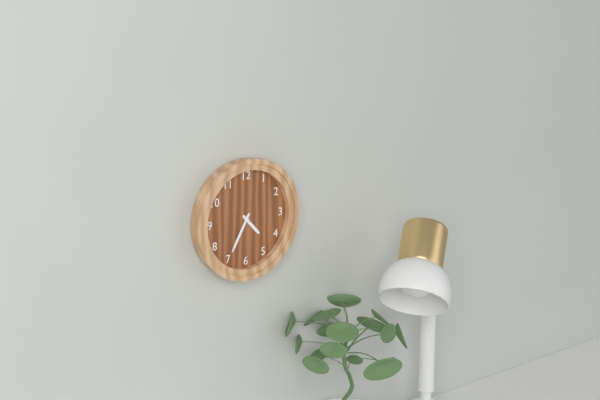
4:35
